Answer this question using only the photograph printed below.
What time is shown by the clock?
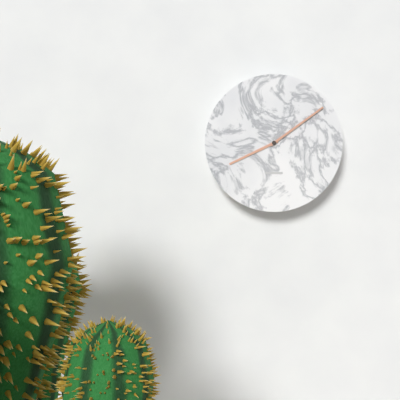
8:09
